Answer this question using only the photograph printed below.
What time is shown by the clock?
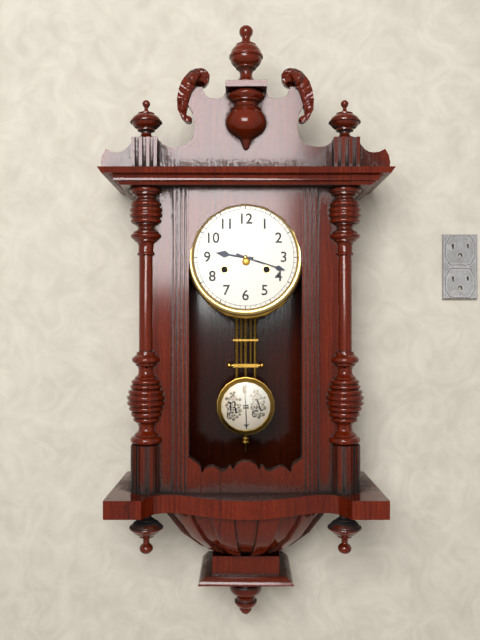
9:18
